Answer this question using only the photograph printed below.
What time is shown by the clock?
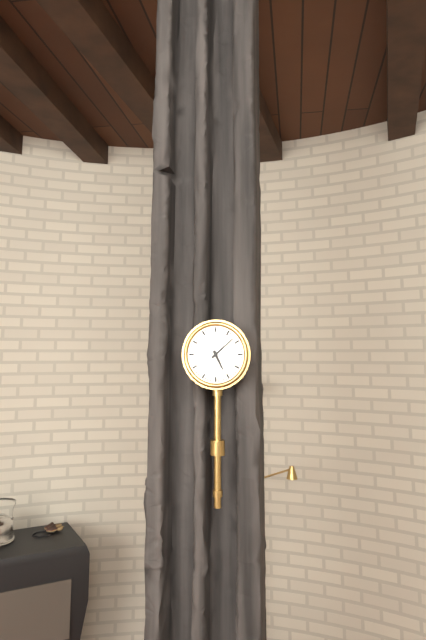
5:08
